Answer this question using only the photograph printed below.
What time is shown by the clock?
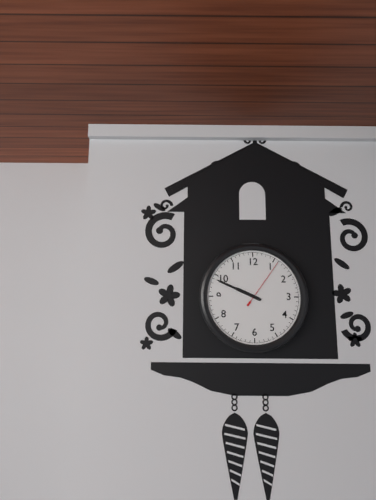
9:49:06
